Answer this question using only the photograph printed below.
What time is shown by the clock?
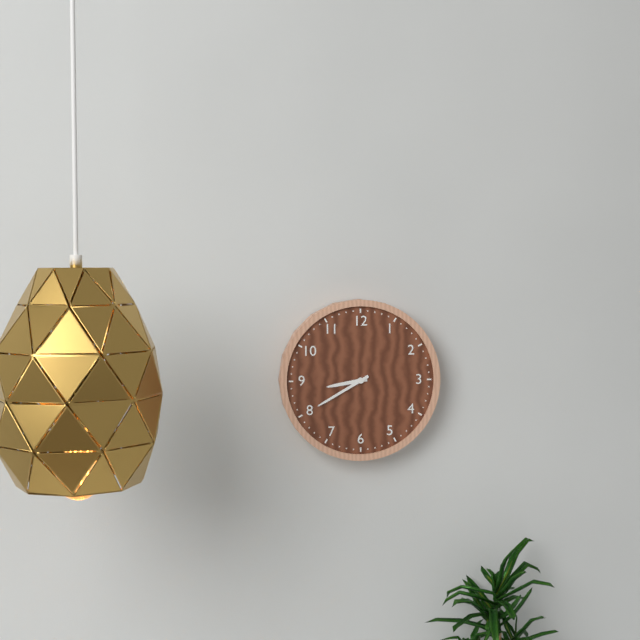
8:40
